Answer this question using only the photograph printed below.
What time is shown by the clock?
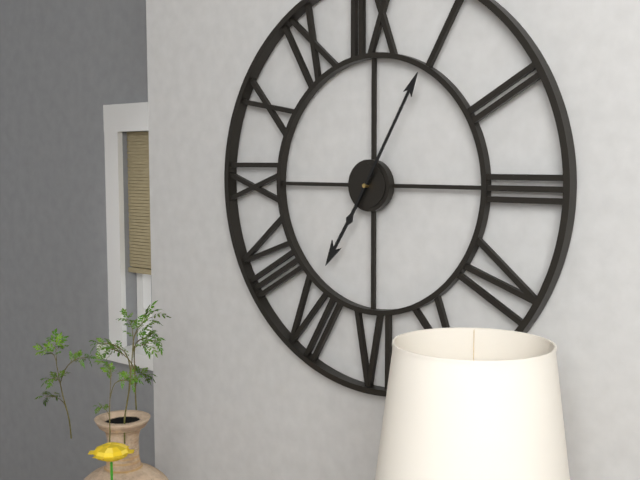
7:05
